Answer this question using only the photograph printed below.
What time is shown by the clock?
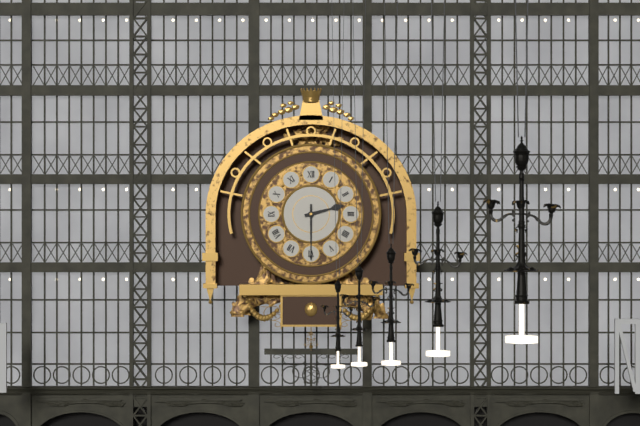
2:30
